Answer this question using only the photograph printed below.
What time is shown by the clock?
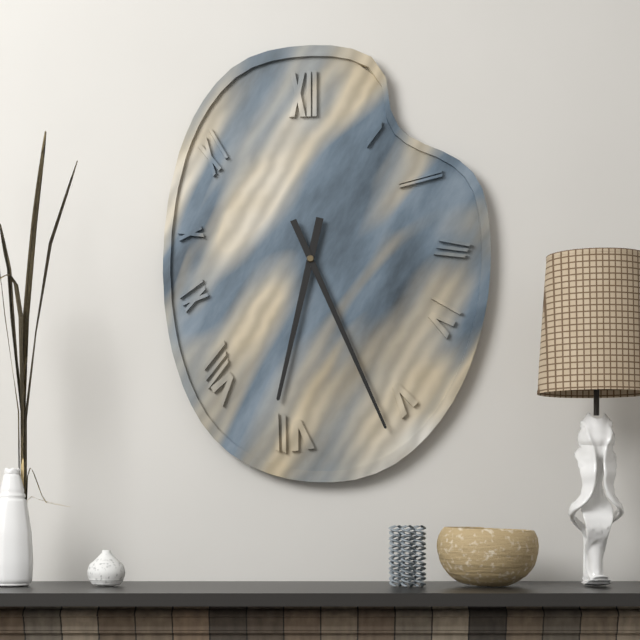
6:26
